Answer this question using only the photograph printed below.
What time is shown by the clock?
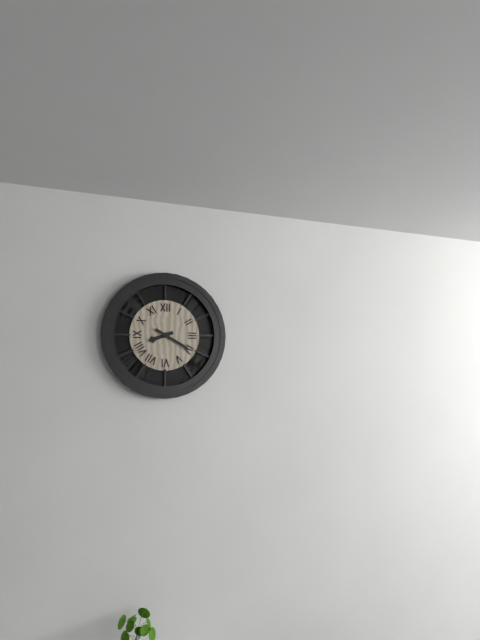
8:20
